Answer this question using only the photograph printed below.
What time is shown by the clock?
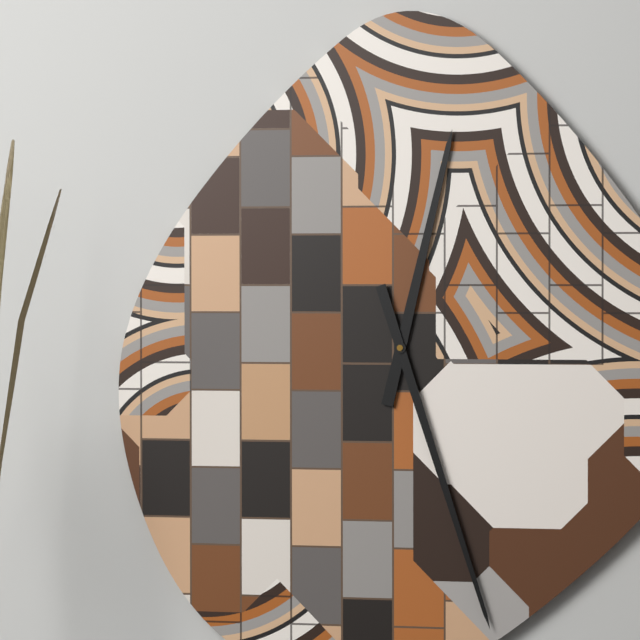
12:27
